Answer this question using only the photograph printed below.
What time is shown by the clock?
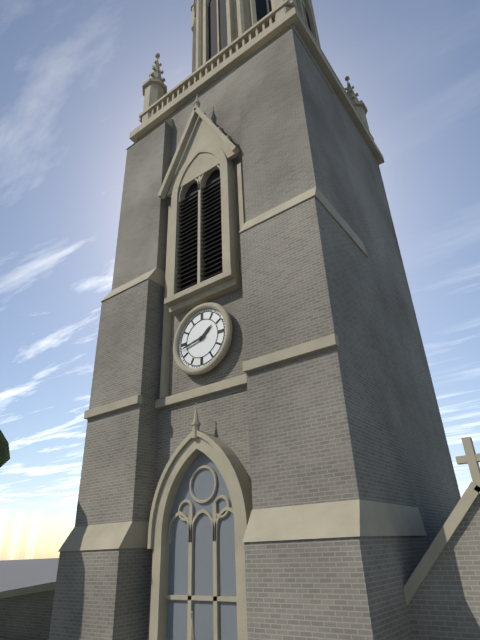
1:43
